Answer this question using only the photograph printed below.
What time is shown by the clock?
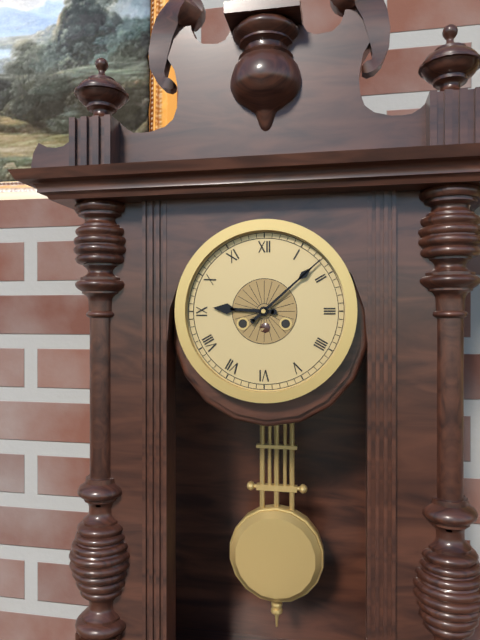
9:08
